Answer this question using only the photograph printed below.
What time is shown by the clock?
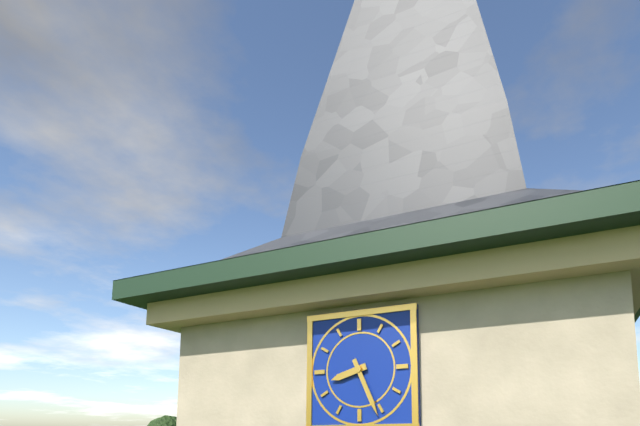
8:26
